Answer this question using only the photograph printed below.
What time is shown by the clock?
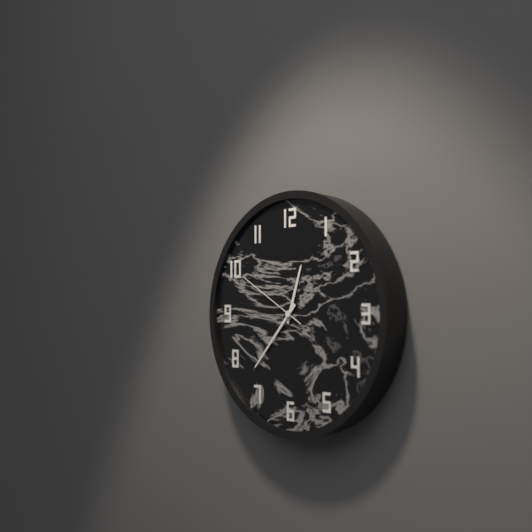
12:37:50
